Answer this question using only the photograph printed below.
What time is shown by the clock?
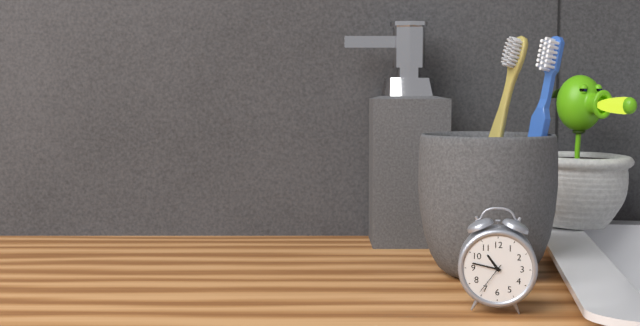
10:47
